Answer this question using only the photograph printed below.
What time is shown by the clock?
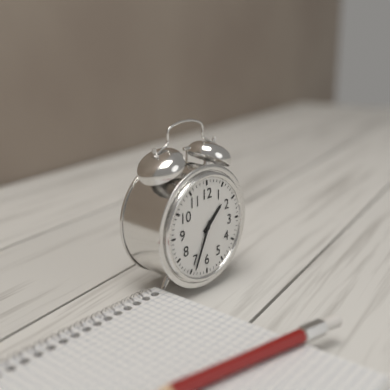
1:34
